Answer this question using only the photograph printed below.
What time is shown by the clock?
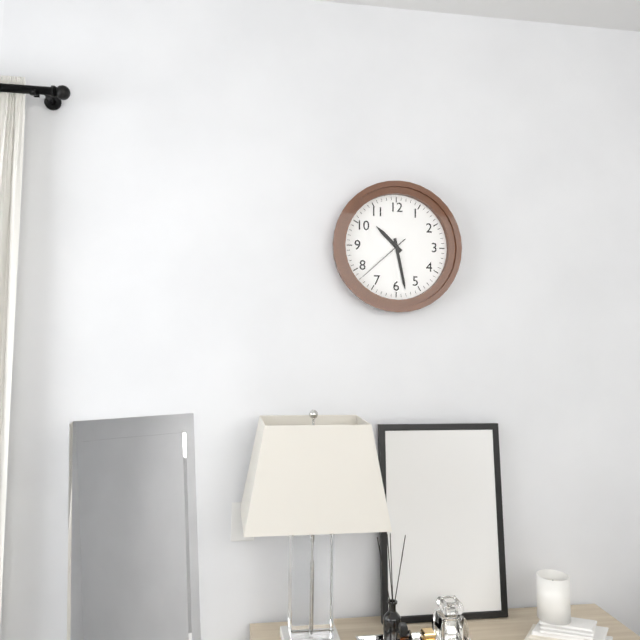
10:28:38
